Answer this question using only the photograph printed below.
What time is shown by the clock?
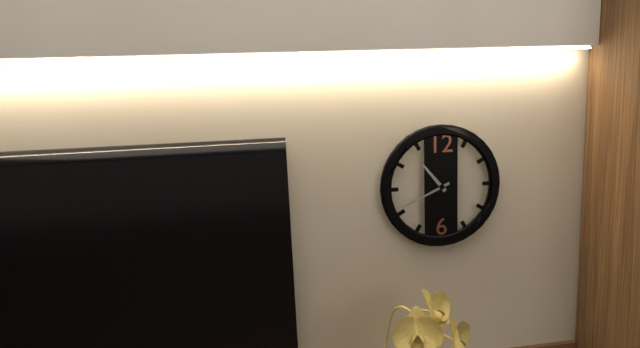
10:41
